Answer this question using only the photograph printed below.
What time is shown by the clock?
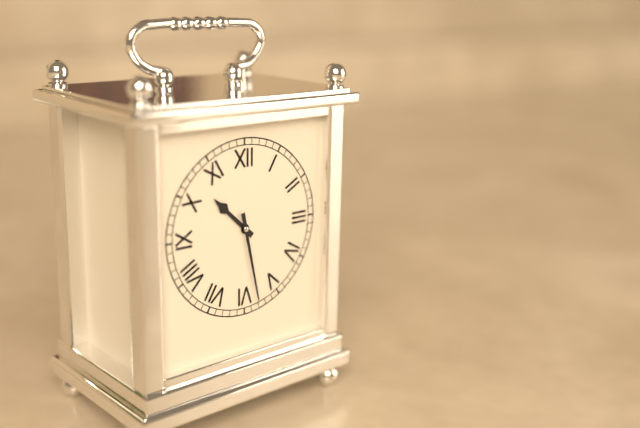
10:28
